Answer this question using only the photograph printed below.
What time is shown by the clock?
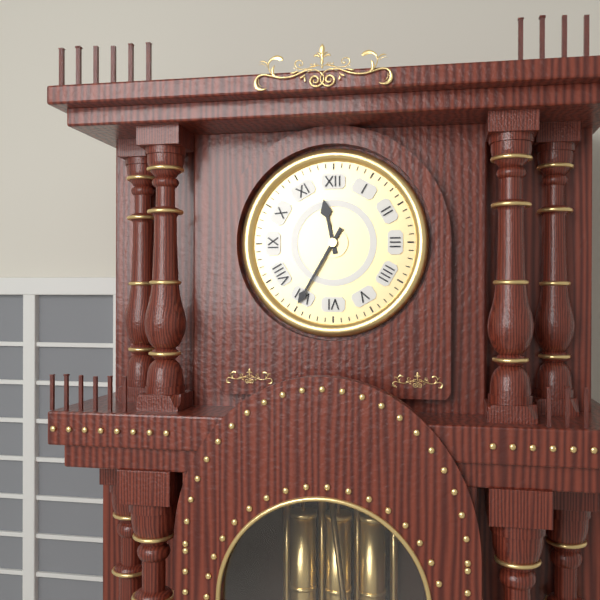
11:35
